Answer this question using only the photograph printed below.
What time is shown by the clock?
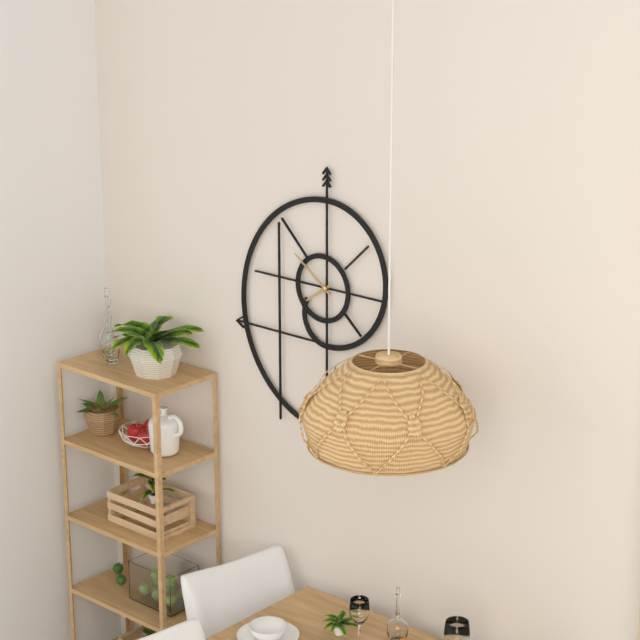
7:51
